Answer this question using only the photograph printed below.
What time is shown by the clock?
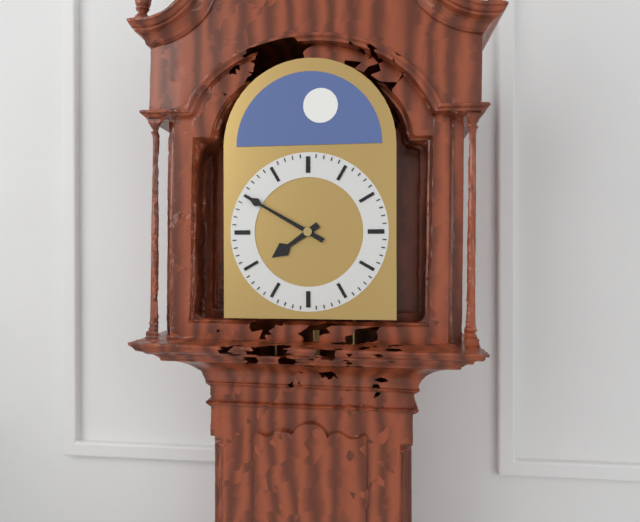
7:50
